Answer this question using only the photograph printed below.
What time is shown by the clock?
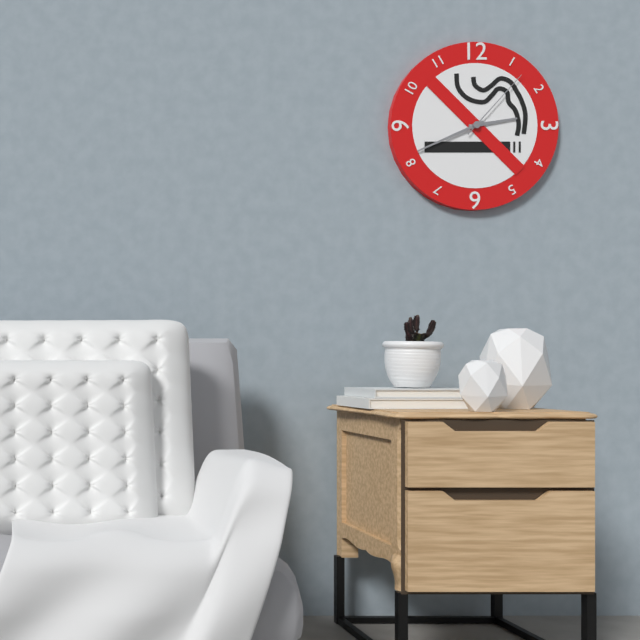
2:41:07
